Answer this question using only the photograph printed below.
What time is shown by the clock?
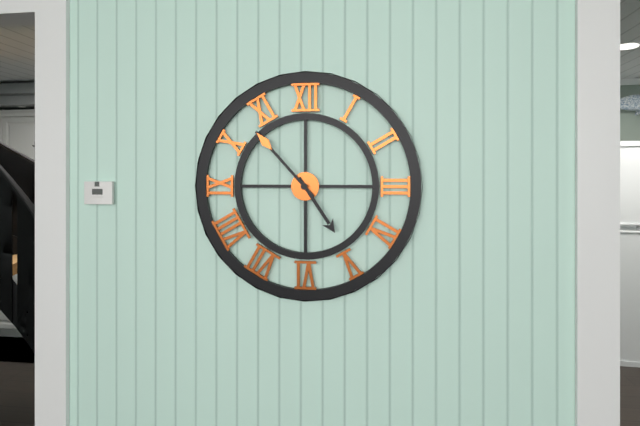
4:53
